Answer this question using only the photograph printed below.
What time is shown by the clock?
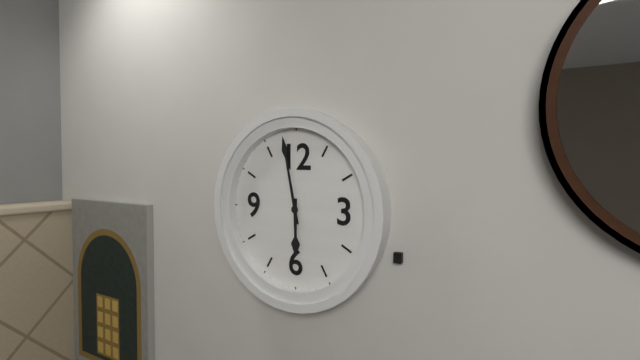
5:58
